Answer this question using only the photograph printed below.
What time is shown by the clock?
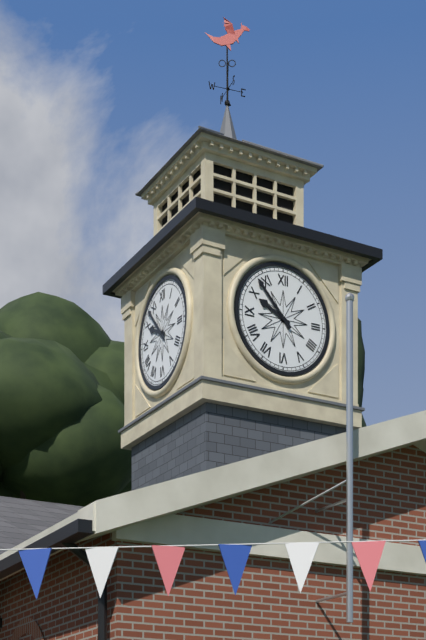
9:53
